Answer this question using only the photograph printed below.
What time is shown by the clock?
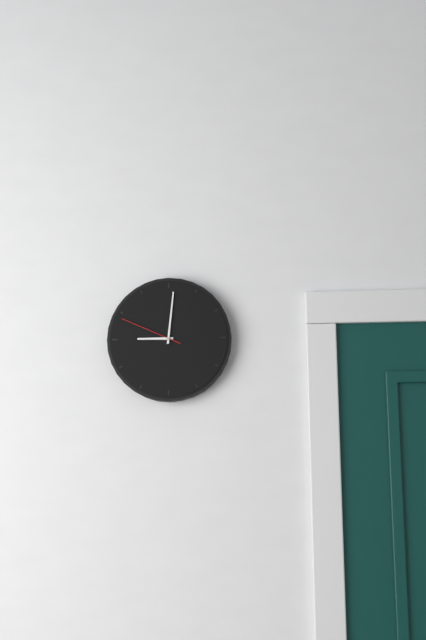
9:01:49
